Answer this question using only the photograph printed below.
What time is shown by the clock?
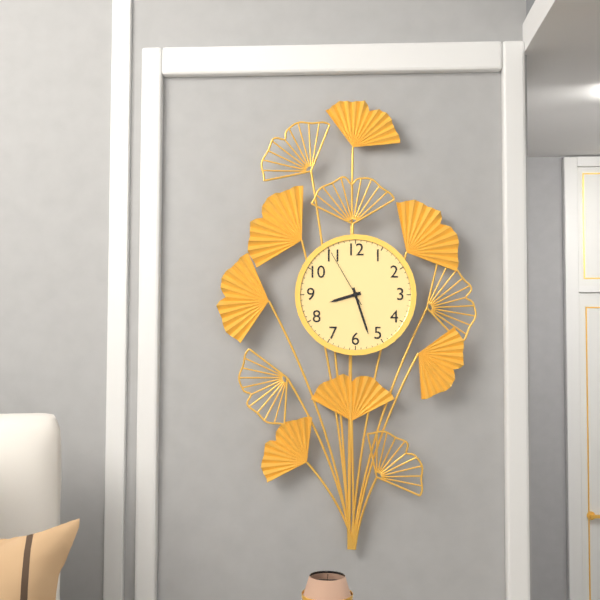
8:27:55
